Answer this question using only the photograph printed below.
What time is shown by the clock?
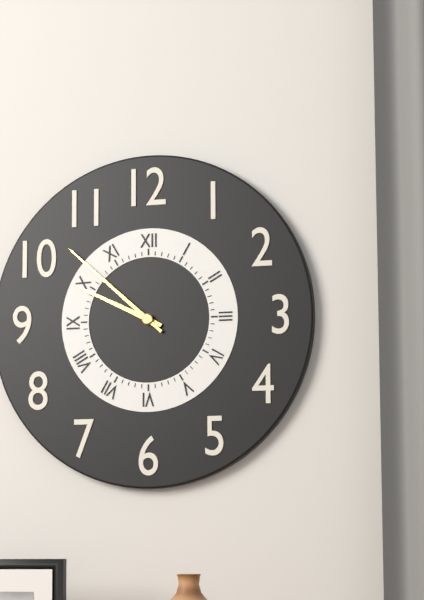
9:52
